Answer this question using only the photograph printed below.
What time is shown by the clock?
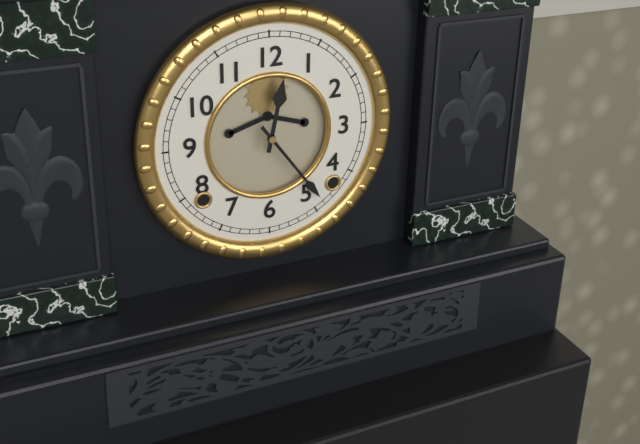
12:24
